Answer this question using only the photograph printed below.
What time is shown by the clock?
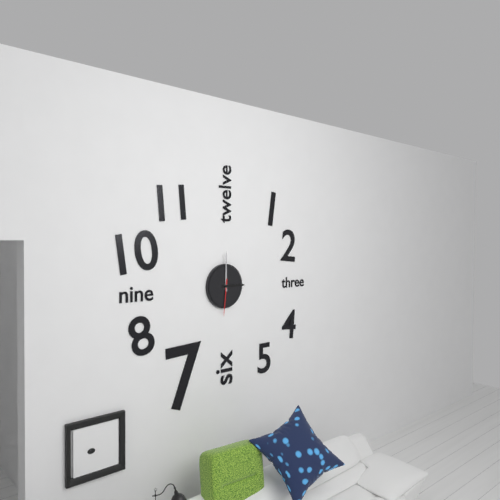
3:00
